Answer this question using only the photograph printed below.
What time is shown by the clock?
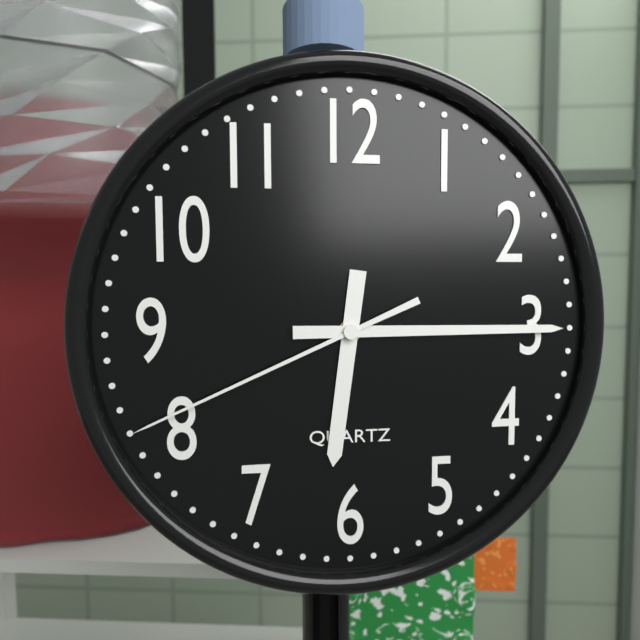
6:15:41
